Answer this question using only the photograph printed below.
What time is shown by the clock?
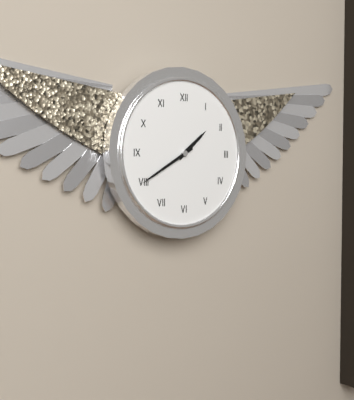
1:40
